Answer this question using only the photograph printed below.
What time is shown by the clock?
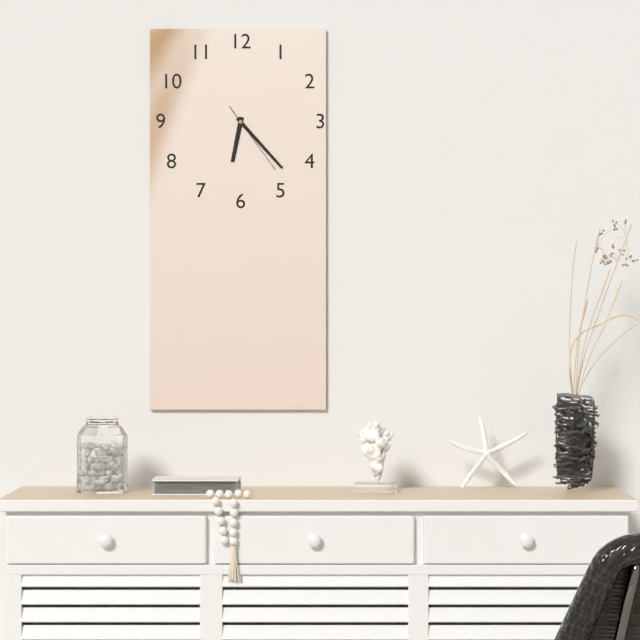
6:23:24
